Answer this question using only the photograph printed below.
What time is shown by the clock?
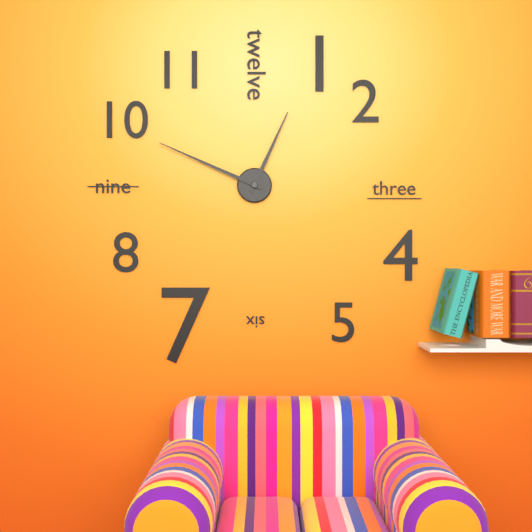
12:49
